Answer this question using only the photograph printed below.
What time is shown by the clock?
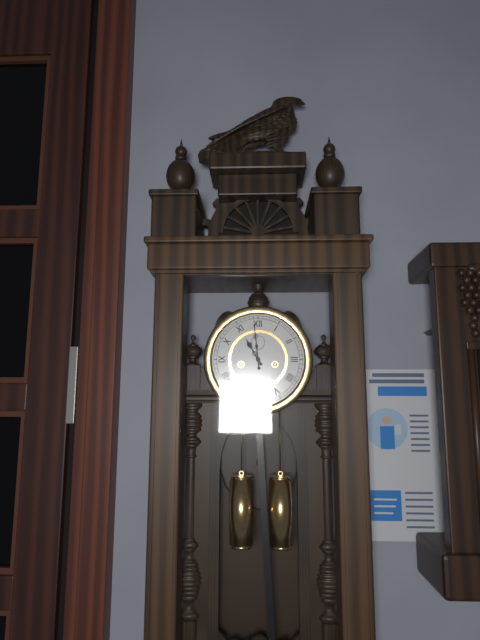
10:59
